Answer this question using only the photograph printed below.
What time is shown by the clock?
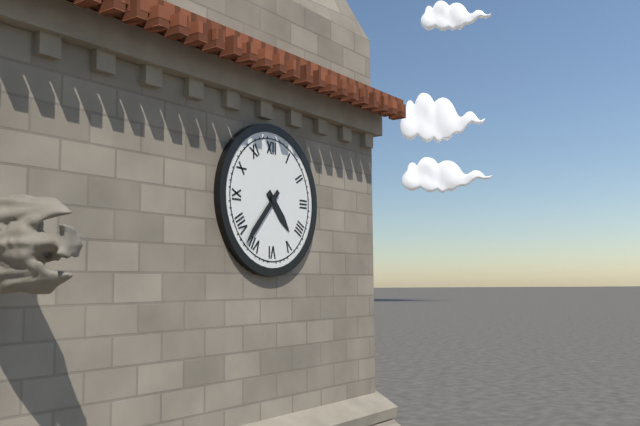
4:37
